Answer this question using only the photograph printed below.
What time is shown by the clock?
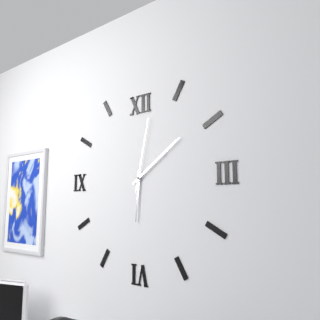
6:09:02
